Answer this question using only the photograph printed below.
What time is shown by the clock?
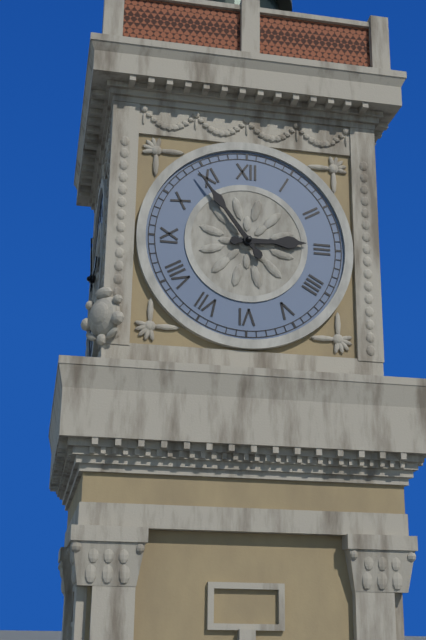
2:54
